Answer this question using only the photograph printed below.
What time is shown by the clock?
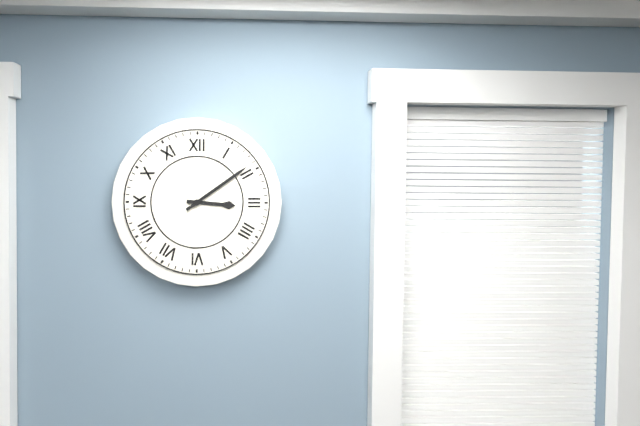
3:09
